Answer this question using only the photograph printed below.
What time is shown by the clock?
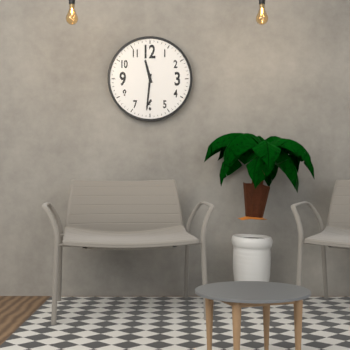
11:31
